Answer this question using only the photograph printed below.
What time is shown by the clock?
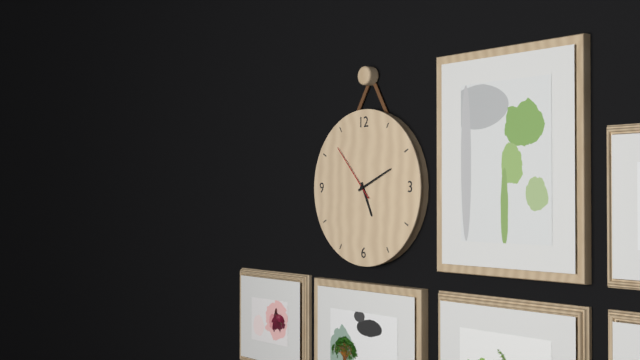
5:11:53
